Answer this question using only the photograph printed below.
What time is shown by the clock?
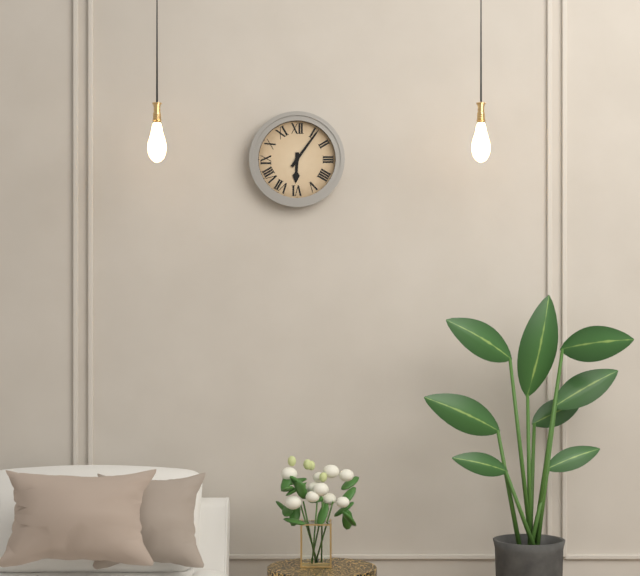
6:06
